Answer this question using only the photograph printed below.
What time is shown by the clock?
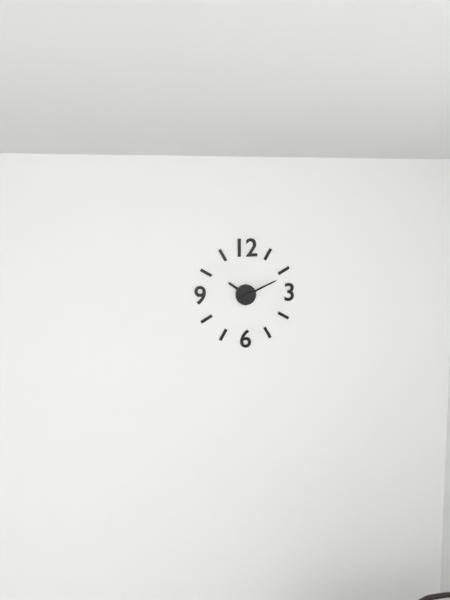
10:11
